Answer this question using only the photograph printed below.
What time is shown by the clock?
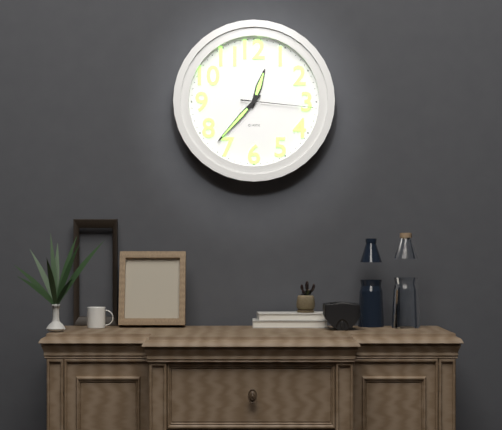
12:37:16
